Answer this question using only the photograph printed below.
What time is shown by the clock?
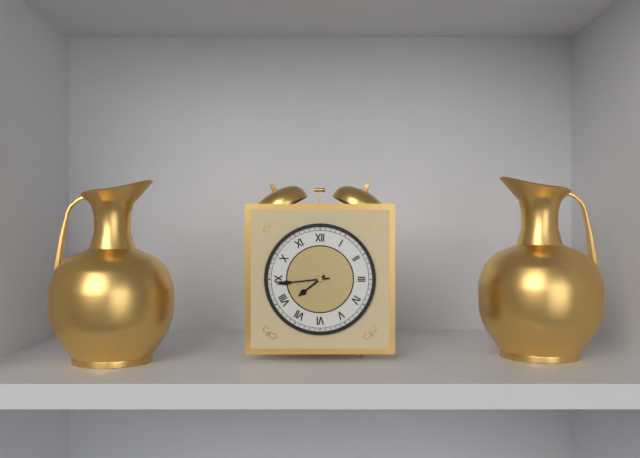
7:44
